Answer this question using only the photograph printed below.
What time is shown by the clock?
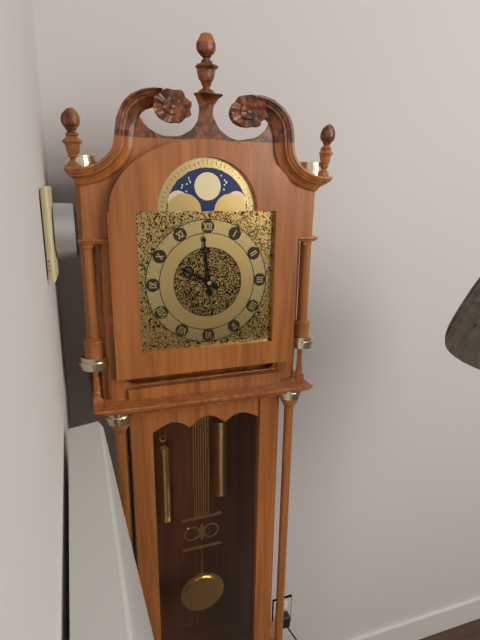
9:59
